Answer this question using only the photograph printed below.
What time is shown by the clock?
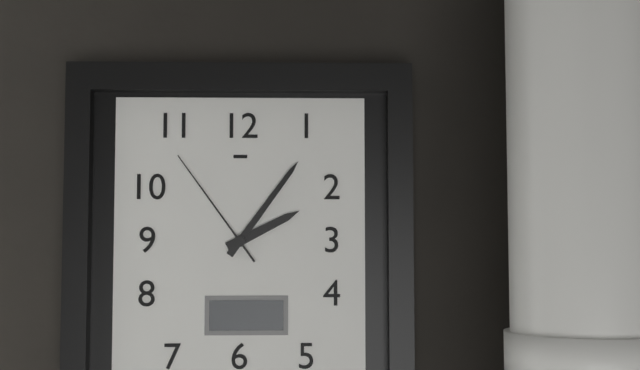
2:06:54
